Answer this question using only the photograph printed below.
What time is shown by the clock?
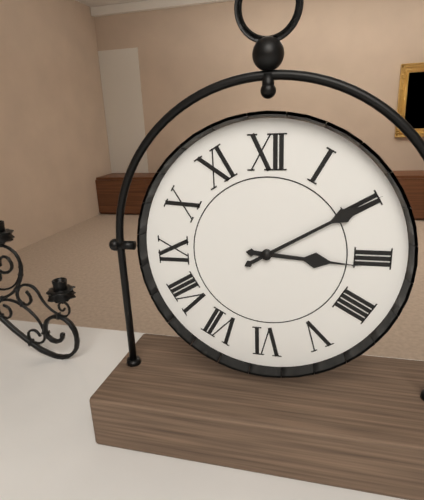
3:10
